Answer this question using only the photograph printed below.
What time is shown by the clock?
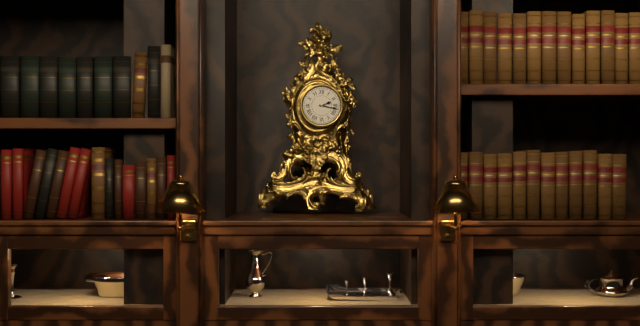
2:17
